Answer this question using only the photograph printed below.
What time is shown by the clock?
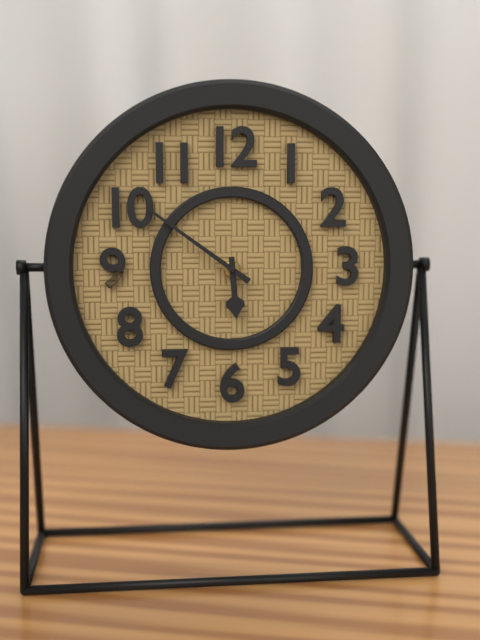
5:51
